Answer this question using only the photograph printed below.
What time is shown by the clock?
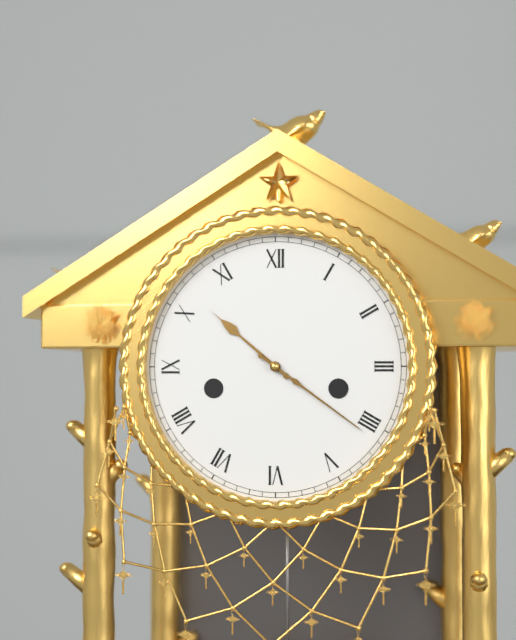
10:21
